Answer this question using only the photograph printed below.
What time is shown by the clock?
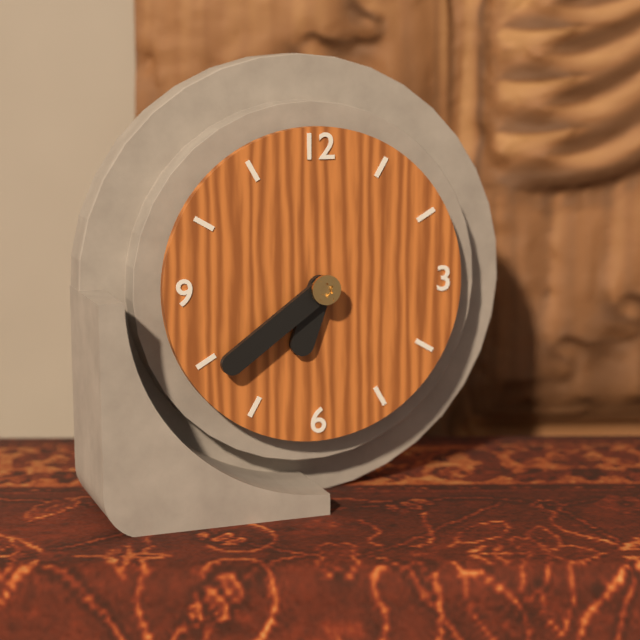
6:39
